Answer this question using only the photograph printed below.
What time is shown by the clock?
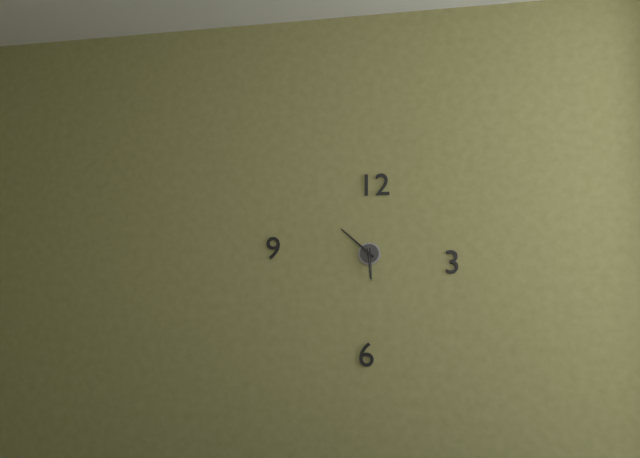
5:52
